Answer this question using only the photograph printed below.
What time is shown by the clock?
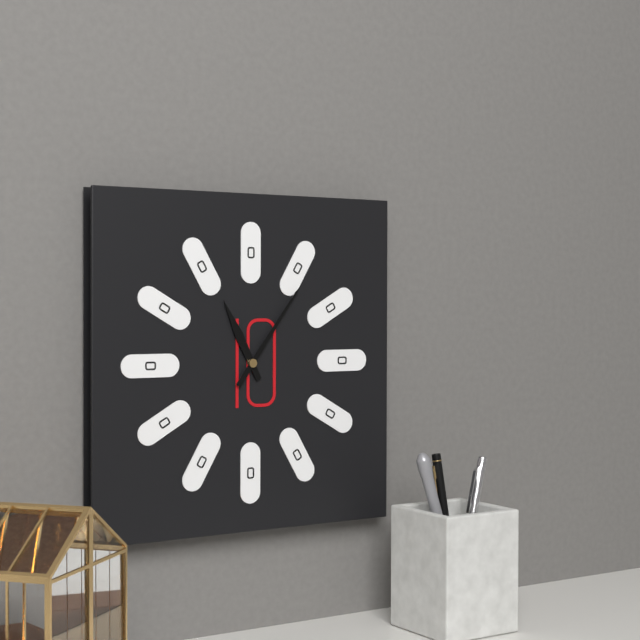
11:06
